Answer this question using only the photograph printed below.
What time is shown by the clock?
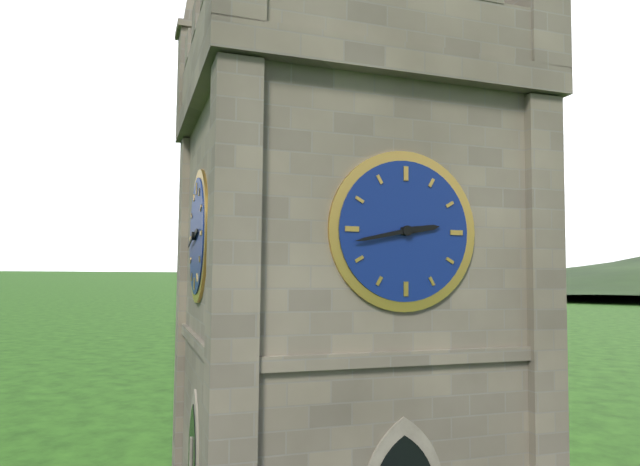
2:43
